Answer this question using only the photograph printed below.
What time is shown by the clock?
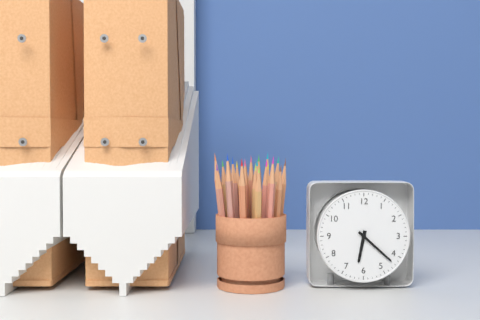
6:22
